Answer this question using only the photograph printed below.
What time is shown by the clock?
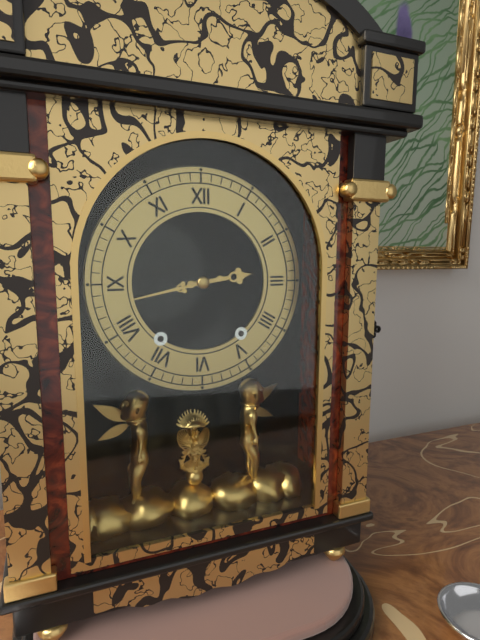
2:43
